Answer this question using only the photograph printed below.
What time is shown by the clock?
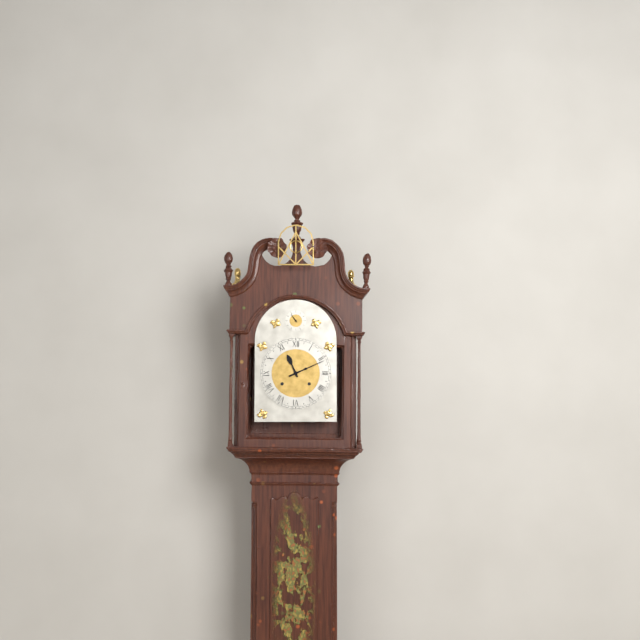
11:11
